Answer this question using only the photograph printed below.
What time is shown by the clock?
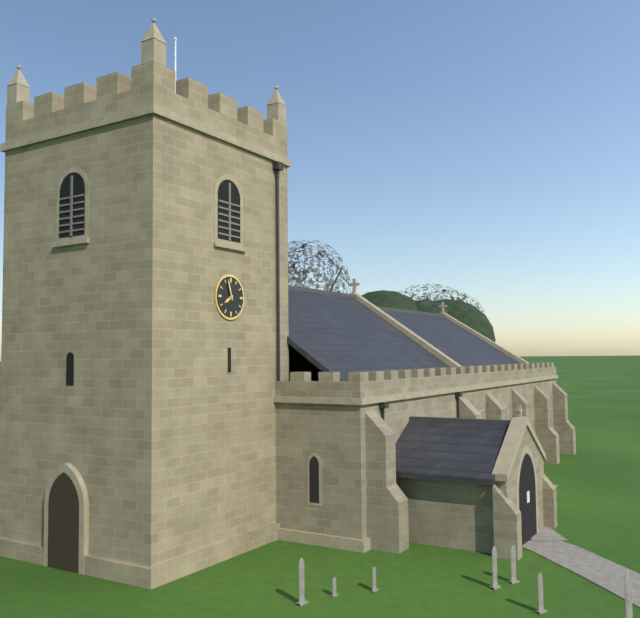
7:57
